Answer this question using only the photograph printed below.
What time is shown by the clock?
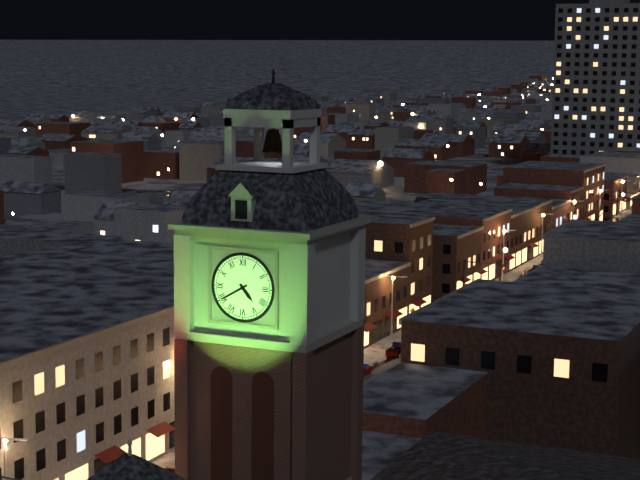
4:40
